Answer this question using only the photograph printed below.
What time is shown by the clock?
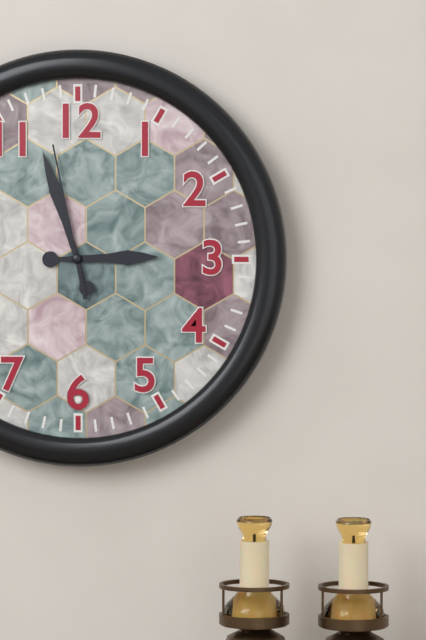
2:57:58
